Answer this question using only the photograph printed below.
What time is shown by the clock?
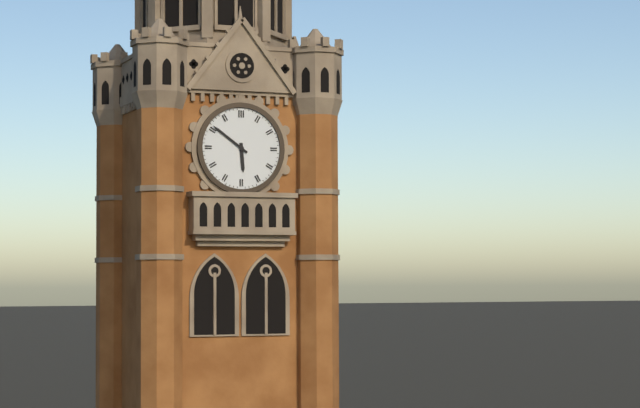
5:51
